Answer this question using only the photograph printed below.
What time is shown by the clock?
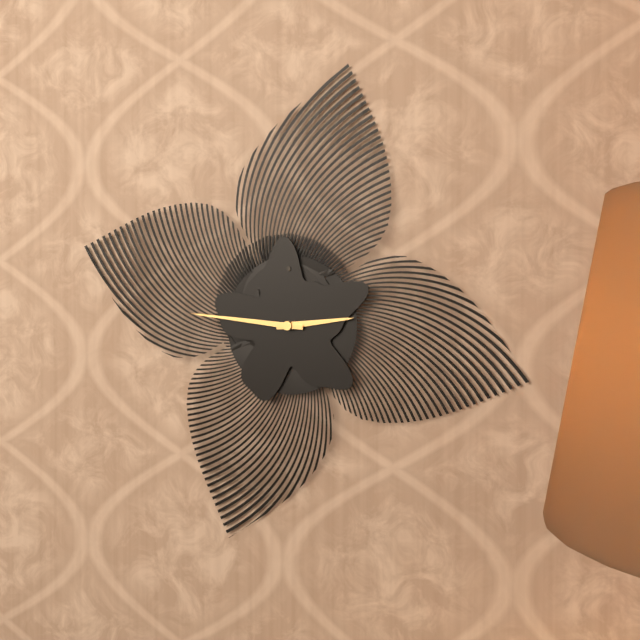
2:46
